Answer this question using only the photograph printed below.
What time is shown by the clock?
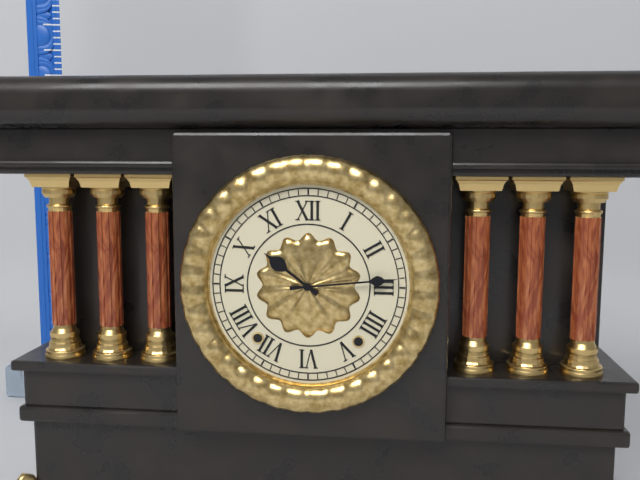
10:14
